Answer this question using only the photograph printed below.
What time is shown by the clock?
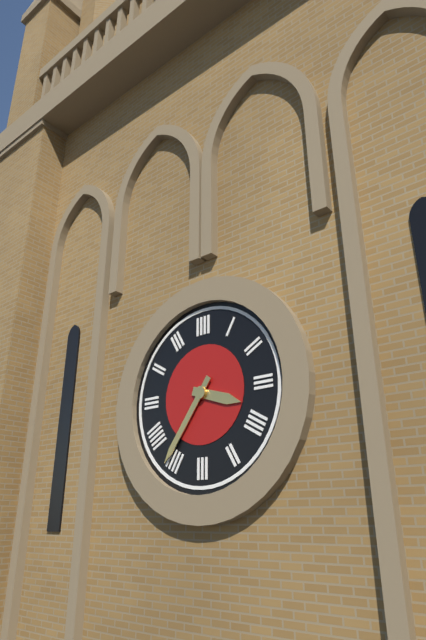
3:36
